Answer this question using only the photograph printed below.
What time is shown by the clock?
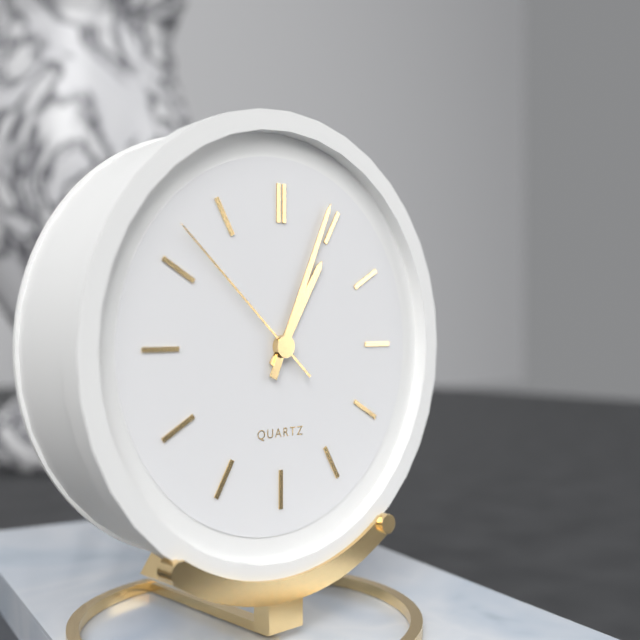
1:04:52
